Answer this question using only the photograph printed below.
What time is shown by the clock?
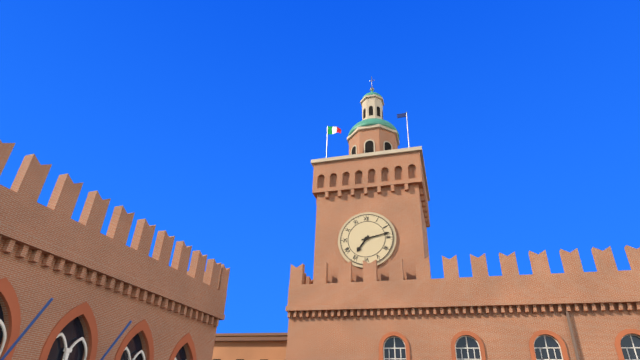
7:13
